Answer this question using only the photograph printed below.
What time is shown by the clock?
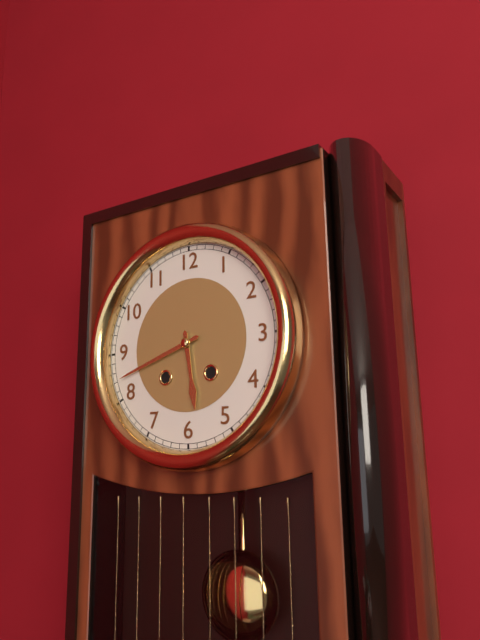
5:42
